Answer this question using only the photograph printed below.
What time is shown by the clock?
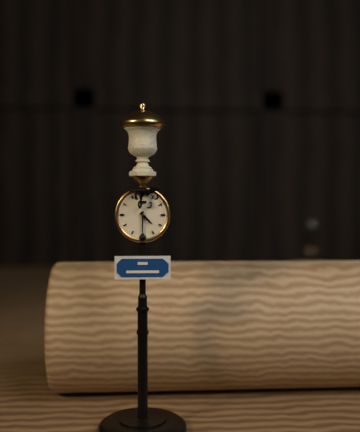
4:30
